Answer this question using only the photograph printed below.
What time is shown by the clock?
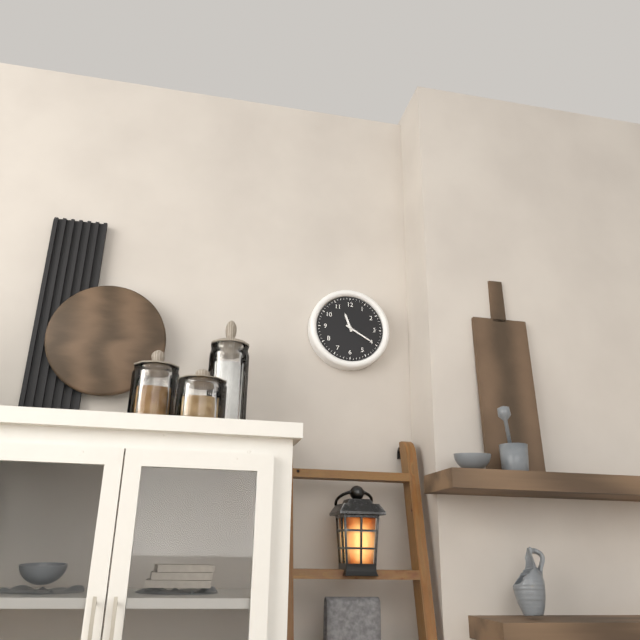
11:20
